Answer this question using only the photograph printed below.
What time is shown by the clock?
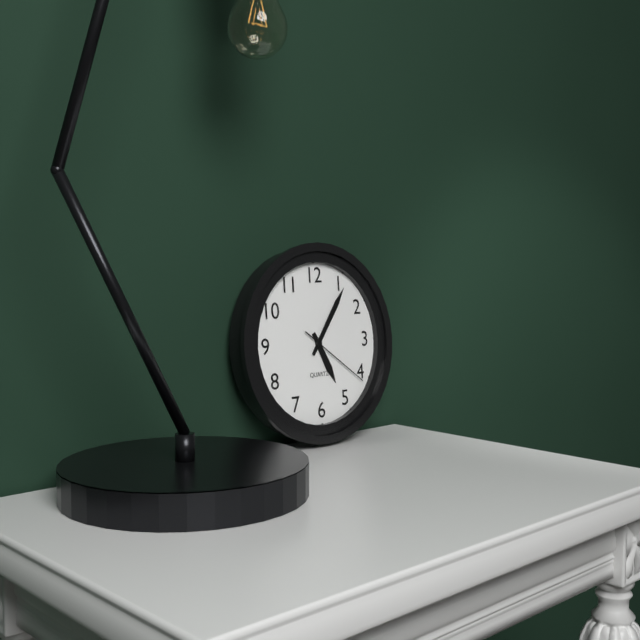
5:06:21
